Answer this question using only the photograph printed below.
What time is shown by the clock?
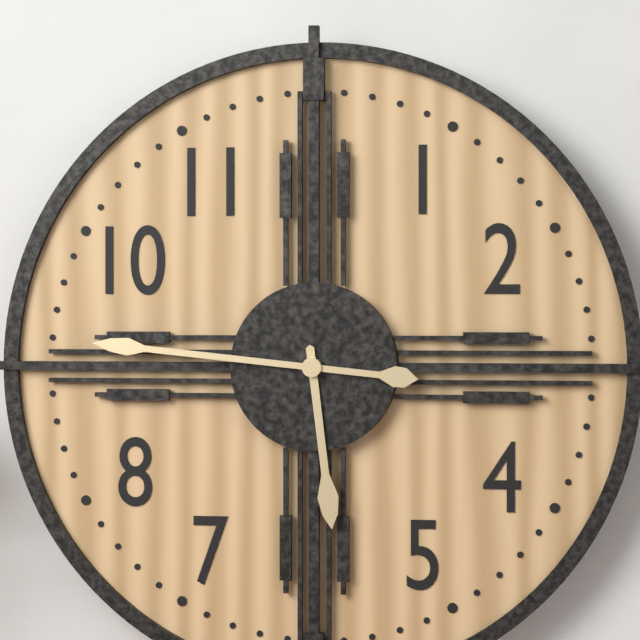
5:46
